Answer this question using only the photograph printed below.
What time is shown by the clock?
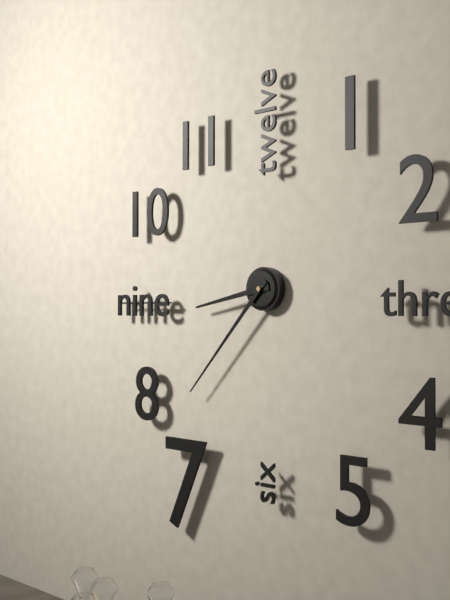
8:37
